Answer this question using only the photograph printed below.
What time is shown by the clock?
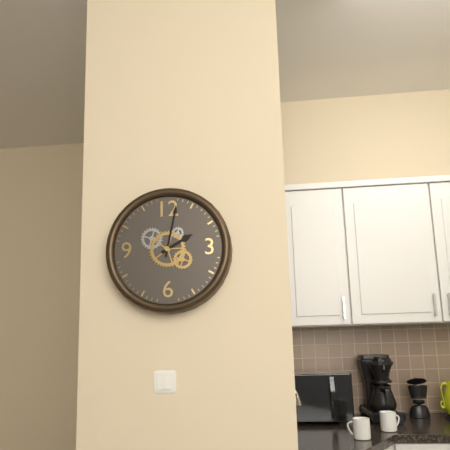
2:02
